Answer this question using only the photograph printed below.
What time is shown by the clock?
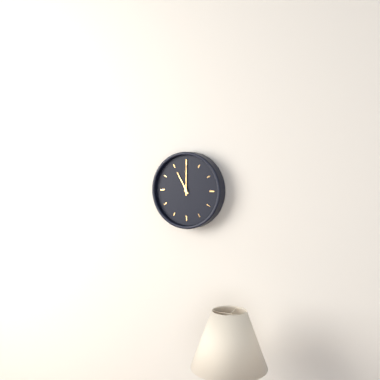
11:00
